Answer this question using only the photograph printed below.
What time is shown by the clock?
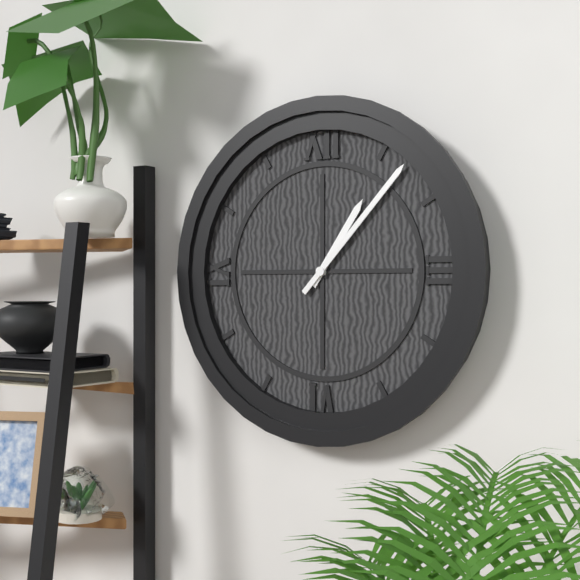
1:07
